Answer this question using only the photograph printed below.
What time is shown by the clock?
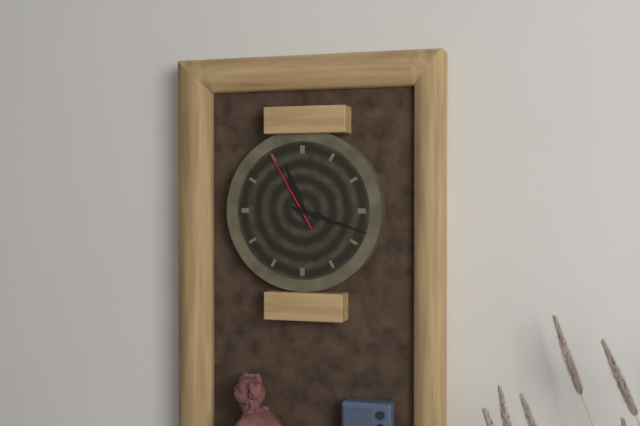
11:18:55
